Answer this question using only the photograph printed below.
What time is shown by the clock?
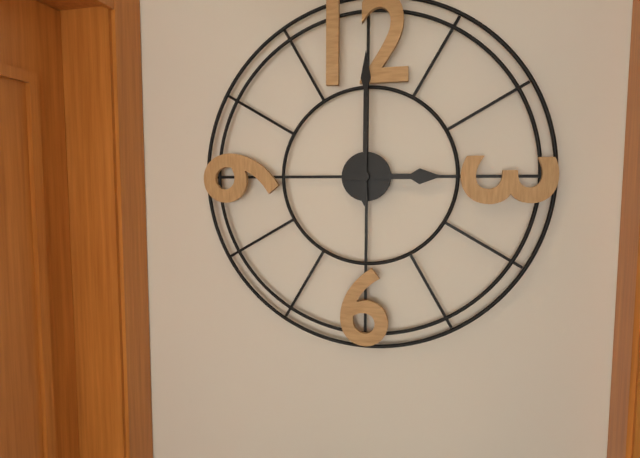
3:00
